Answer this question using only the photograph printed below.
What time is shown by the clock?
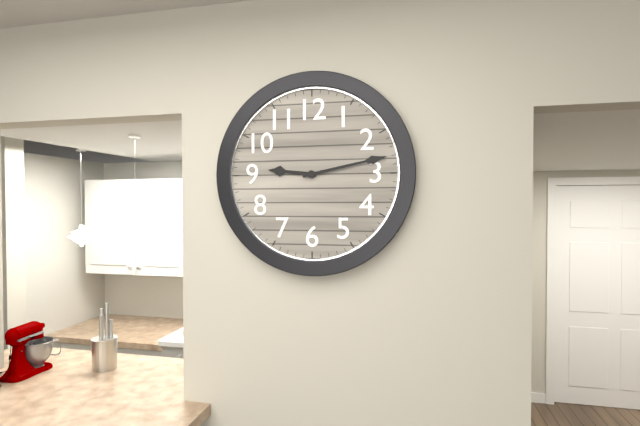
9:13
